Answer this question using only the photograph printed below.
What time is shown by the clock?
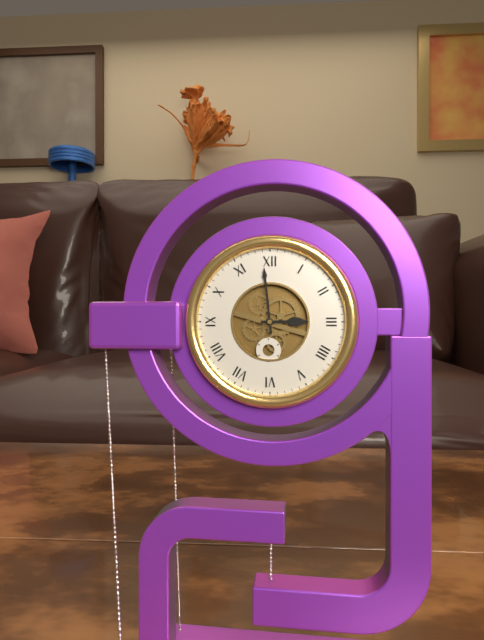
2:59
